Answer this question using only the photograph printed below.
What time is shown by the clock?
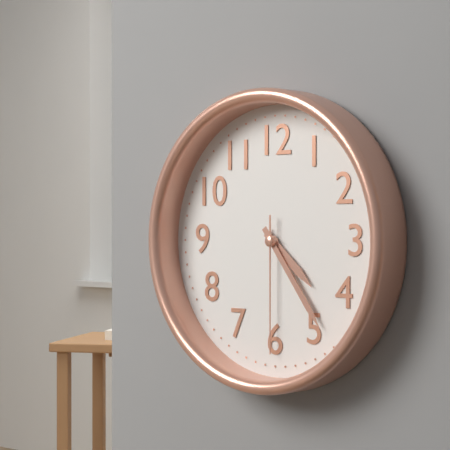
4:24:30
